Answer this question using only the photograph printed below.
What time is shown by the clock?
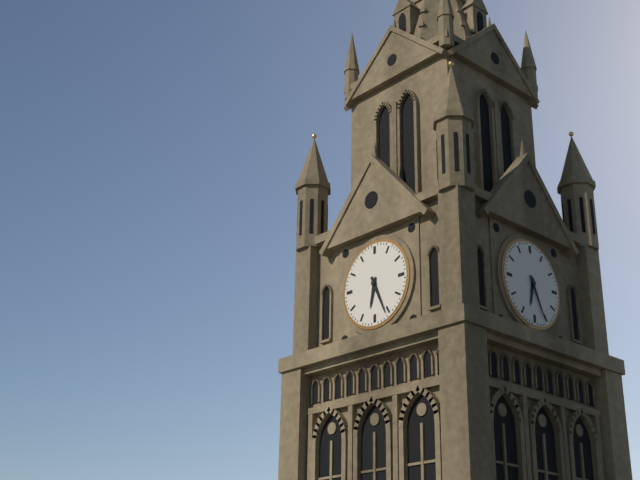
6:26
